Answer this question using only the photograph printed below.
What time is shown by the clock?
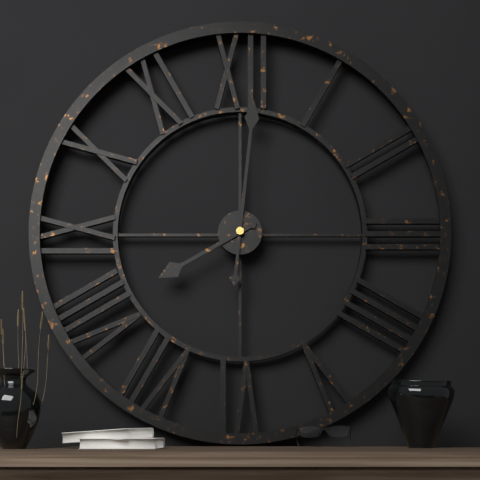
8:01
